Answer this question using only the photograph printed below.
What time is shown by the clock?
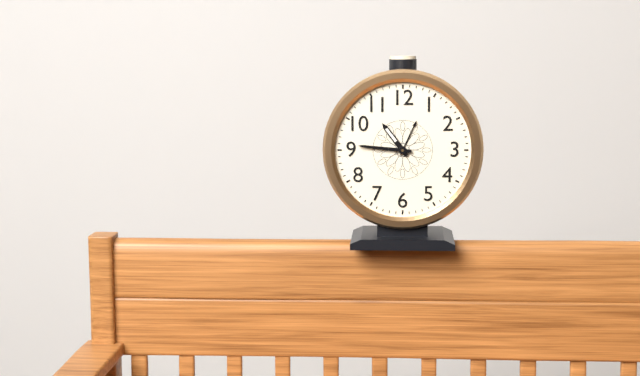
10:46
